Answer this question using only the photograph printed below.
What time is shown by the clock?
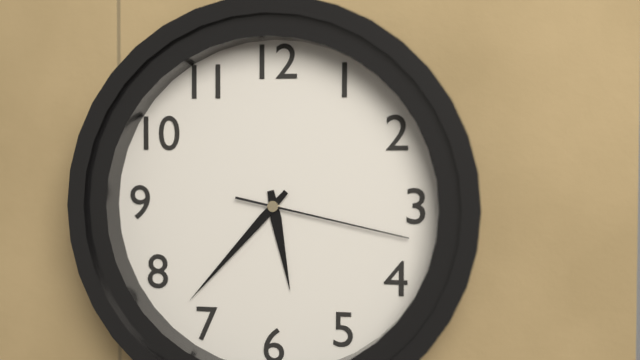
5:37:17
